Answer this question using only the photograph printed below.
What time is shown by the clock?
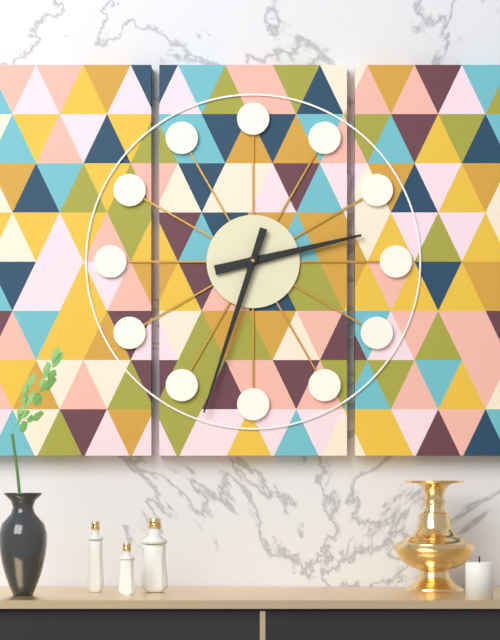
2:33
